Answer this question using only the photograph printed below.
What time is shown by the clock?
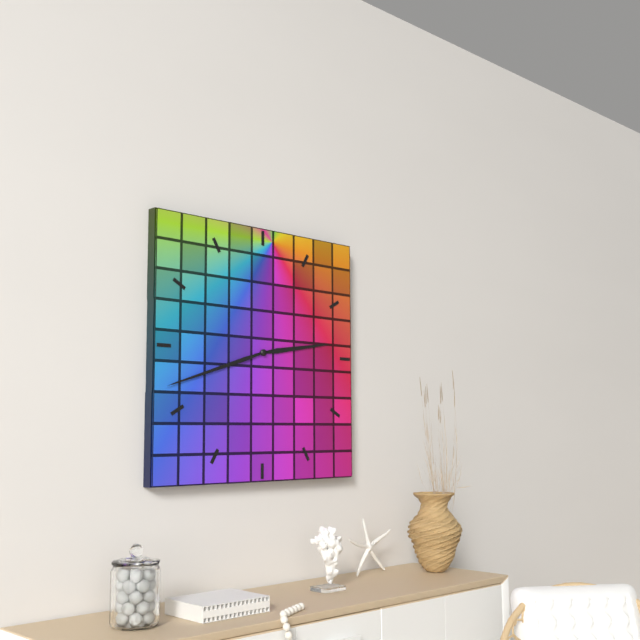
2:42
